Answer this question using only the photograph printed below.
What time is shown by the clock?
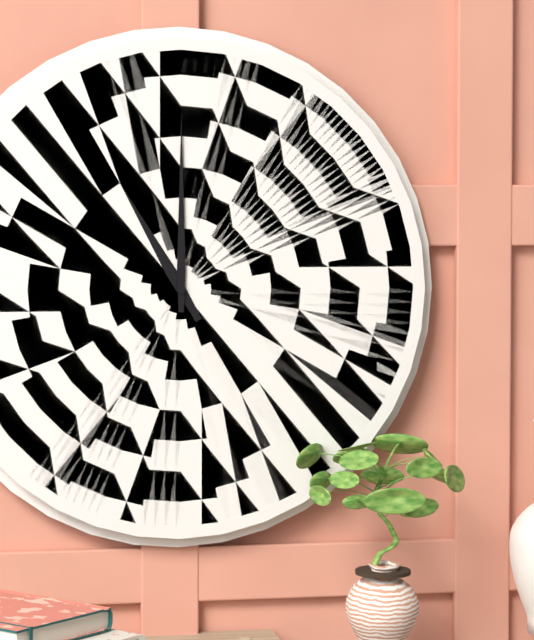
11:00
